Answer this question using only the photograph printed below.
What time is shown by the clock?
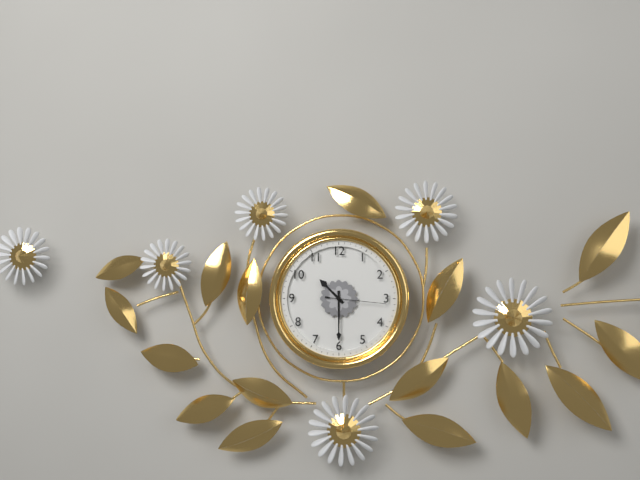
10:30:16
